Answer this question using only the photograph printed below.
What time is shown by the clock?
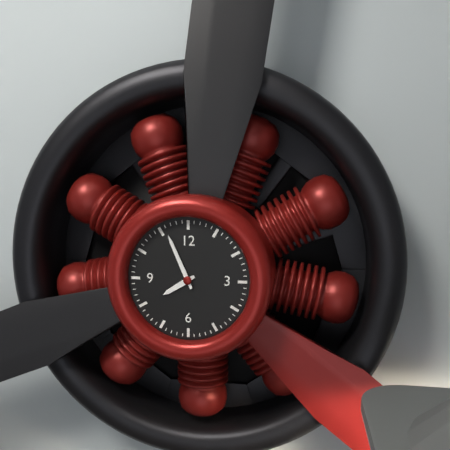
7:56
